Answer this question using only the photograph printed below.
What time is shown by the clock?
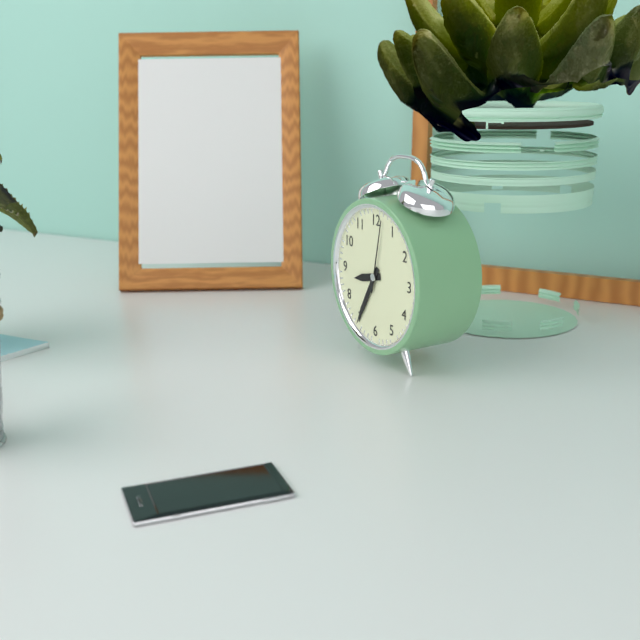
8:35:02
